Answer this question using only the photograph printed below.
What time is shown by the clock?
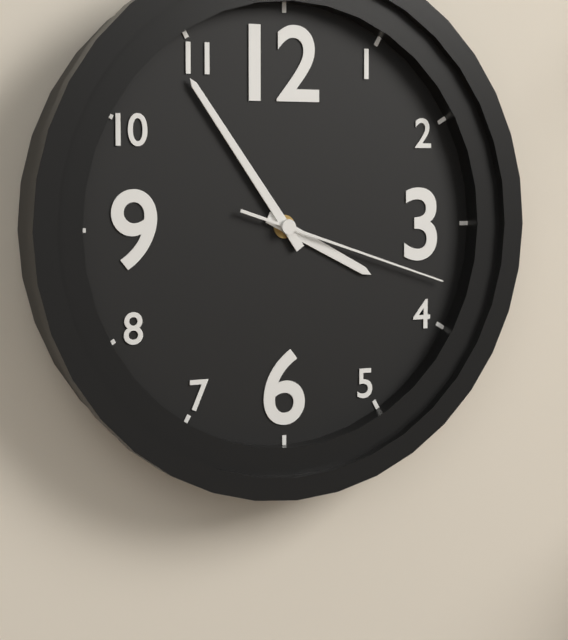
3:54:18
